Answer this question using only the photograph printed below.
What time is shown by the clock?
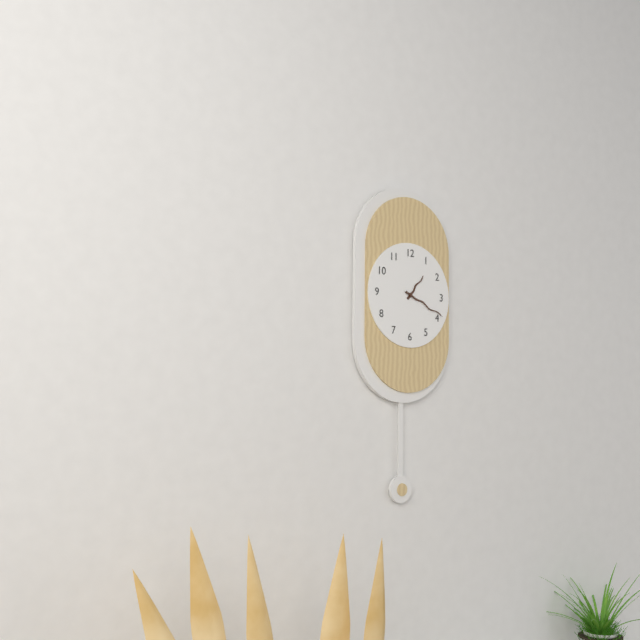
1:19
